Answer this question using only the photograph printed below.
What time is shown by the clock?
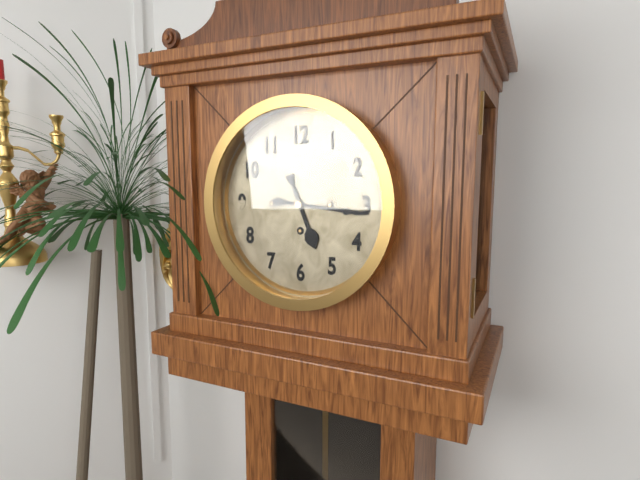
5:16
